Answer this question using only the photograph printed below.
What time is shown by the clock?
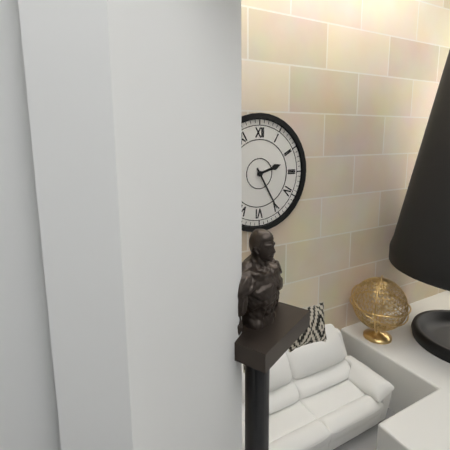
2:25
